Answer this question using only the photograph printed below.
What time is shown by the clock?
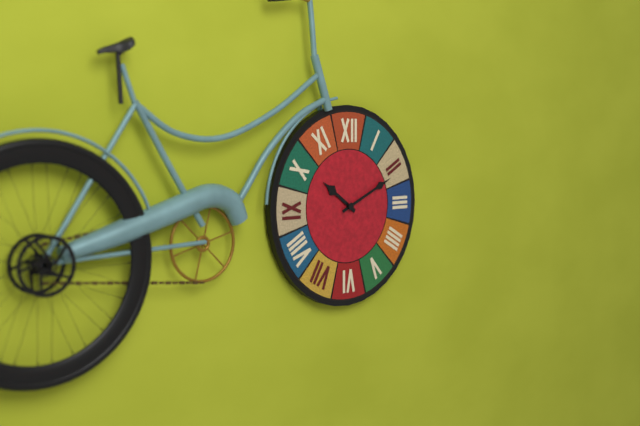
10:11
